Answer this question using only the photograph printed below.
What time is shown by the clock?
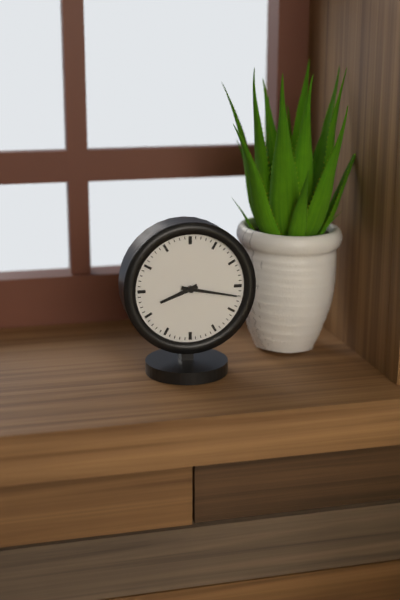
8:17
